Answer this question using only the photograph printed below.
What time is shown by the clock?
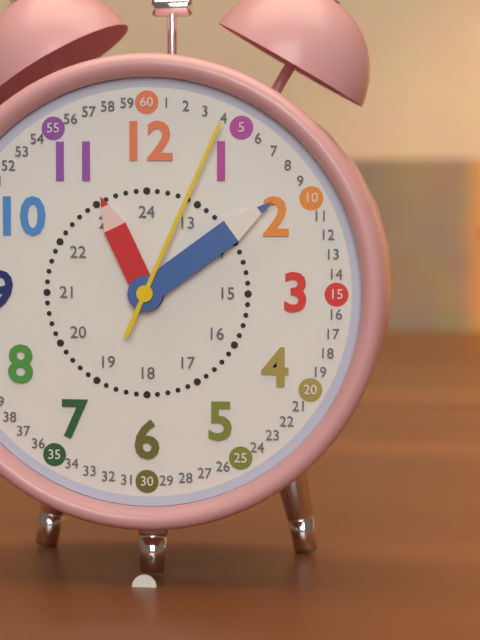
11:09:04
